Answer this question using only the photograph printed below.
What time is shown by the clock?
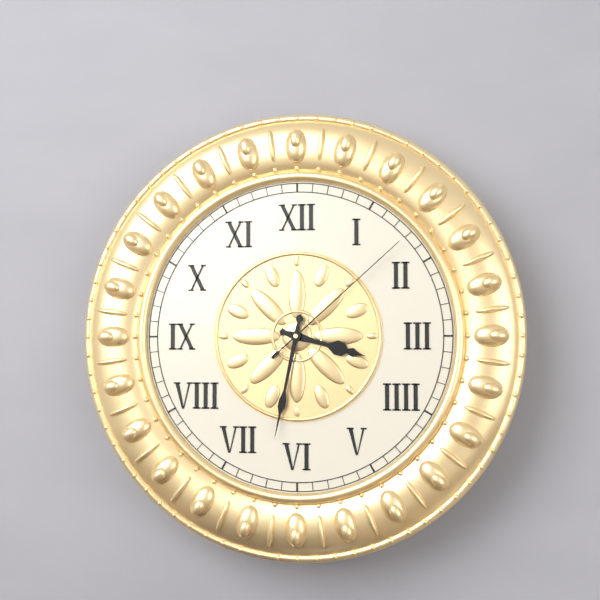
3:32:08
